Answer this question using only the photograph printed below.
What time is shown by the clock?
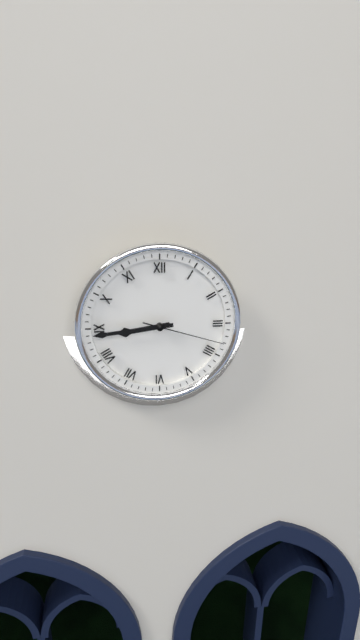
8:44:18
